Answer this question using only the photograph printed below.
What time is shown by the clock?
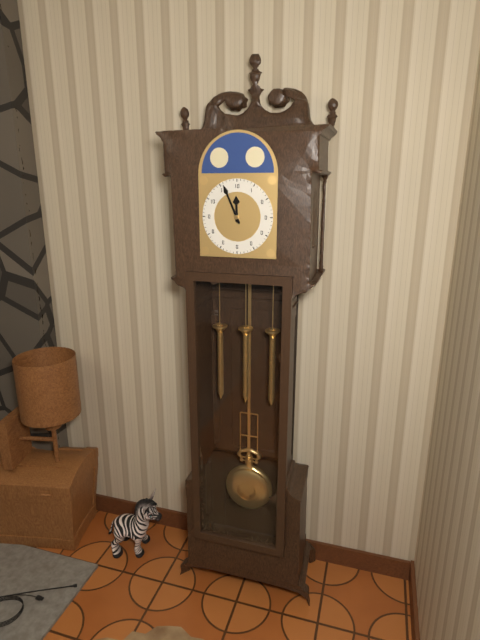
11:56
